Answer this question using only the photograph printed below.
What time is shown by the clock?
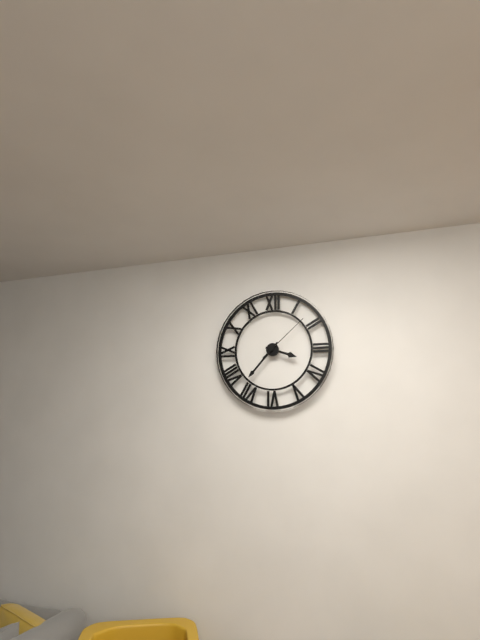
3:37:08
